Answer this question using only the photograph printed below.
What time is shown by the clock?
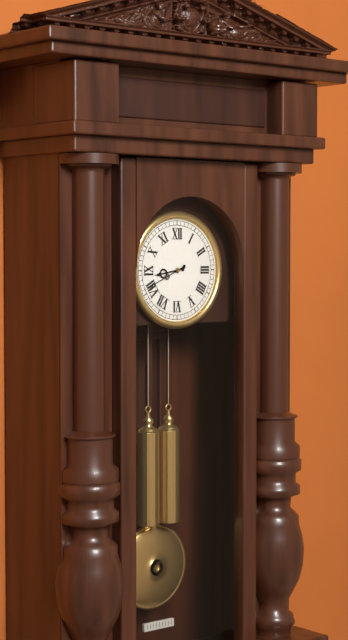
8:41
